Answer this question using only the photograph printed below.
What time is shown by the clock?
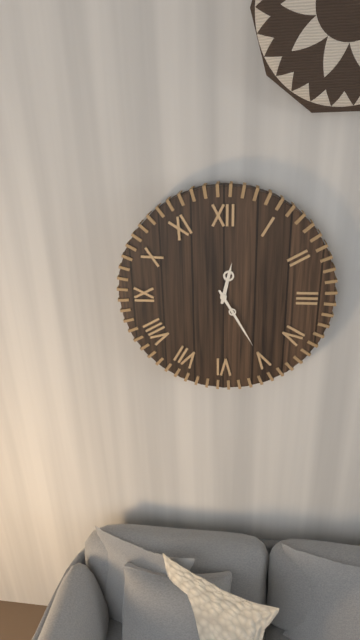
12:25
